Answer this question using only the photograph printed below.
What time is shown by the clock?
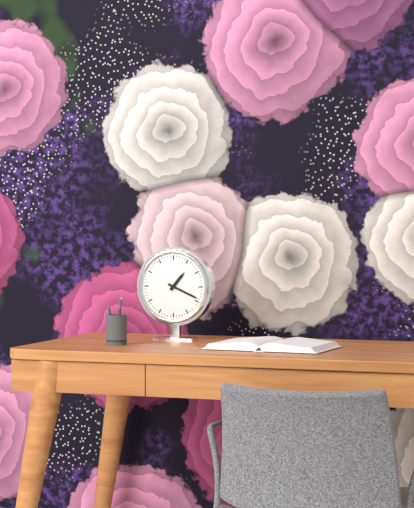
1:19
